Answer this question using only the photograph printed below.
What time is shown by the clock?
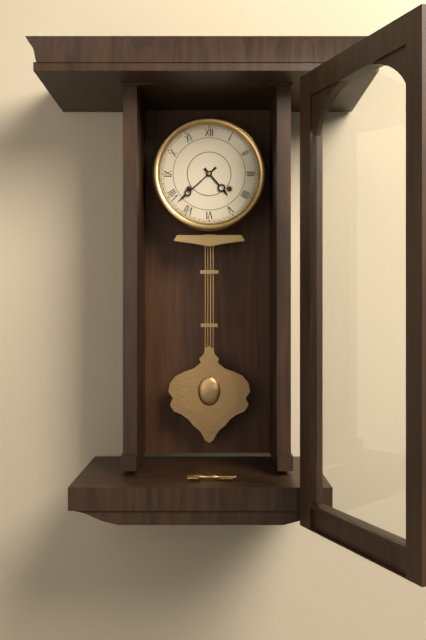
4:38
